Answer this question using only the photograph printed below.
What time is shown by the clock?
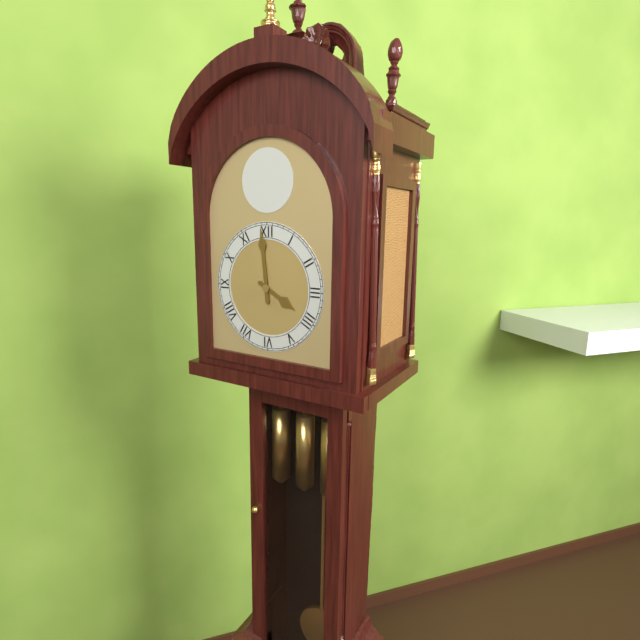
3:59
